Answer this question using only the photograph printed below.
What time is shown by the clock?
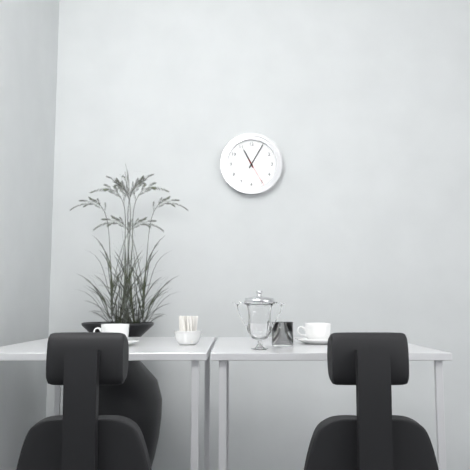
11:05
